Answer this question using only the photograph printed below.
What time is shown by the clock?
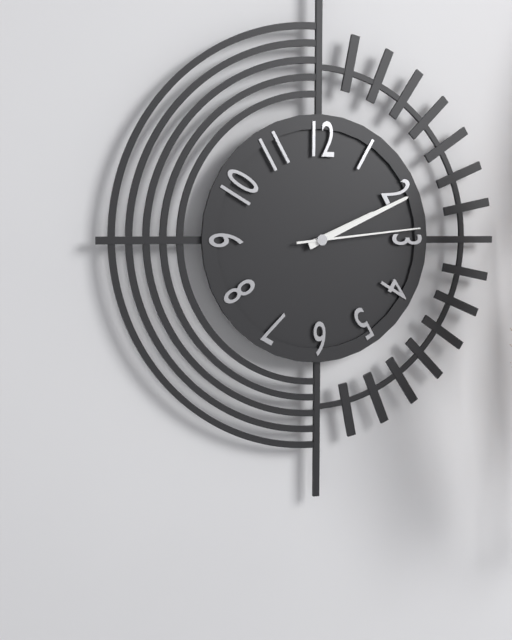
2:11:14
